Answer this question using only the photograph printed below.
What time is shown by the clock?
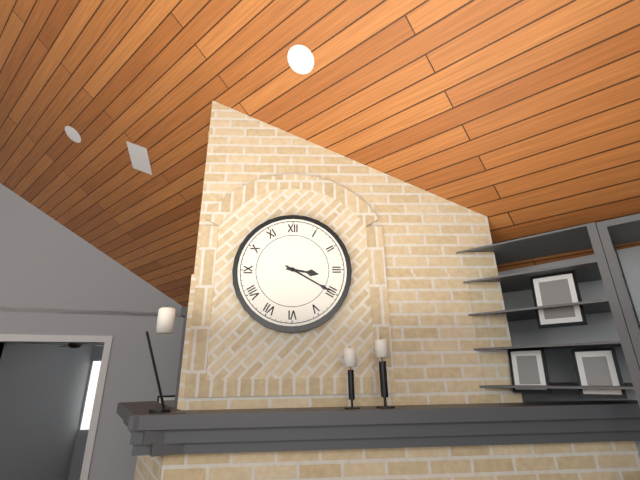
3:20
